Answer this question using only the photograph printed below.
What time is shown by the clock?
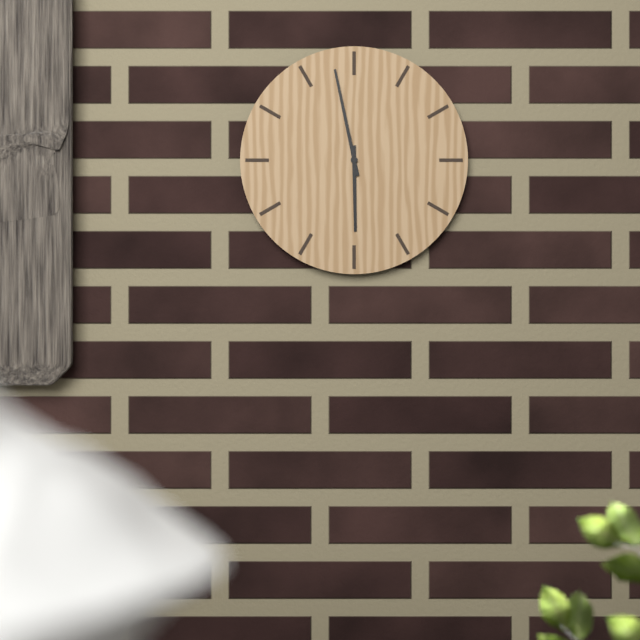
5:58
